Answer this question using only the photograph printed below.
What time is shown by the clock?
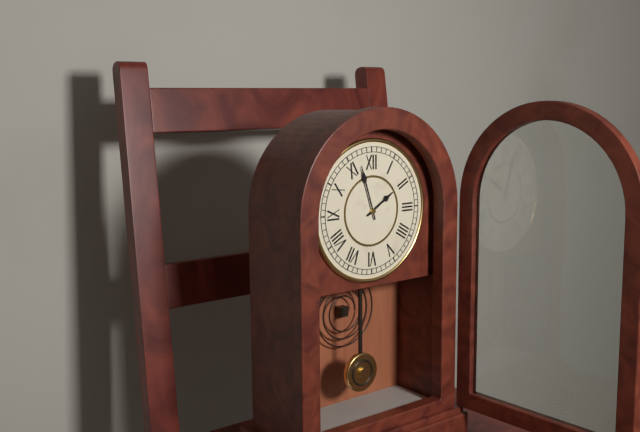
1:57
